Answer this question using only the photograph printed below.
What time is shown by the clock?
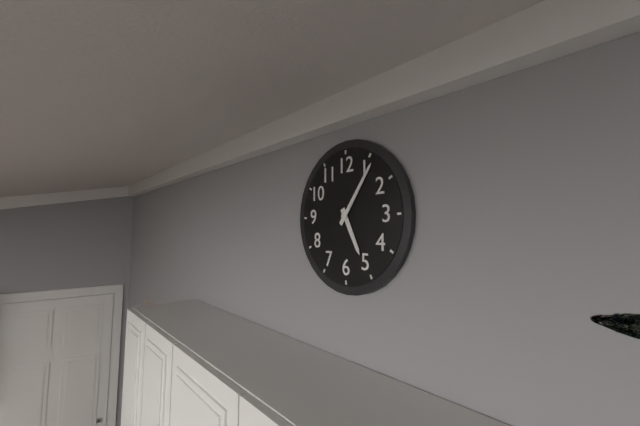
5:06
